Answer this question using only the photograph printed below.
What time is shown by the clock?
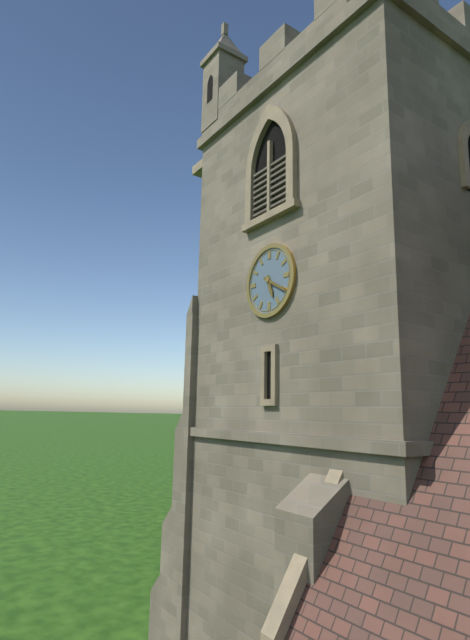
5:20
